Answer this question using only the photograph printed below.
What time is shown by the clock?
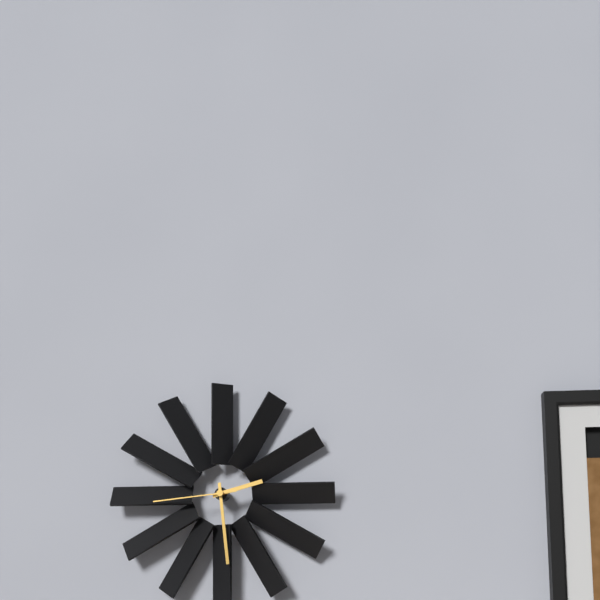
2:29:44
